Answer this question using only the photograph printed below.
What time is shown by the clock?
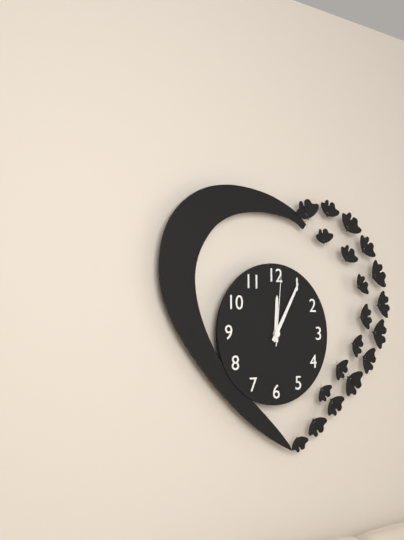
12:05:01
